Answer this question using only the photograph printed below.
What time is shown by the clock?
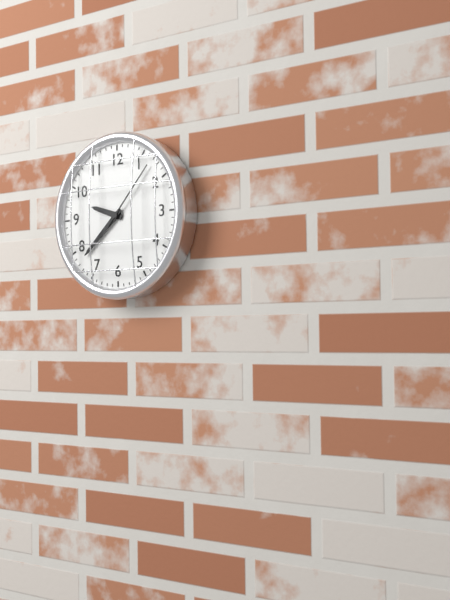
9:38:07
